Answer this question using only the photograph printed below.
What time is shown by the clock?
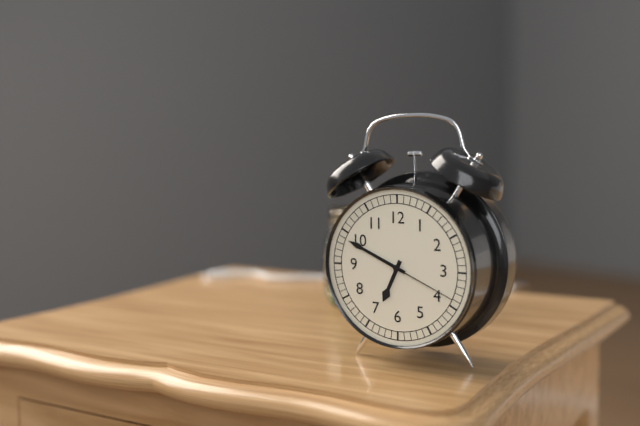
6:49:19
